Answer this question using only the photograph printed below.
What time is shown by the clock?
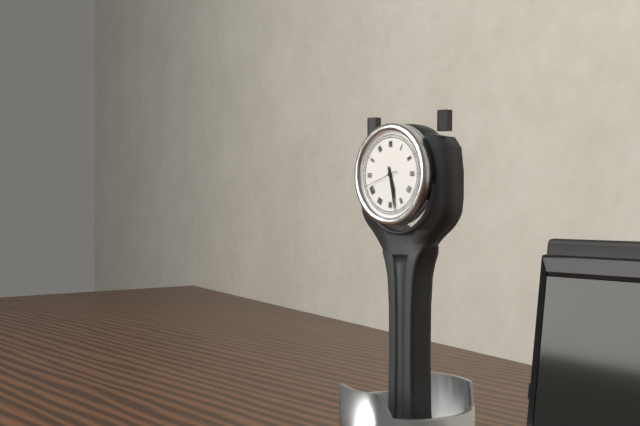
5:28
